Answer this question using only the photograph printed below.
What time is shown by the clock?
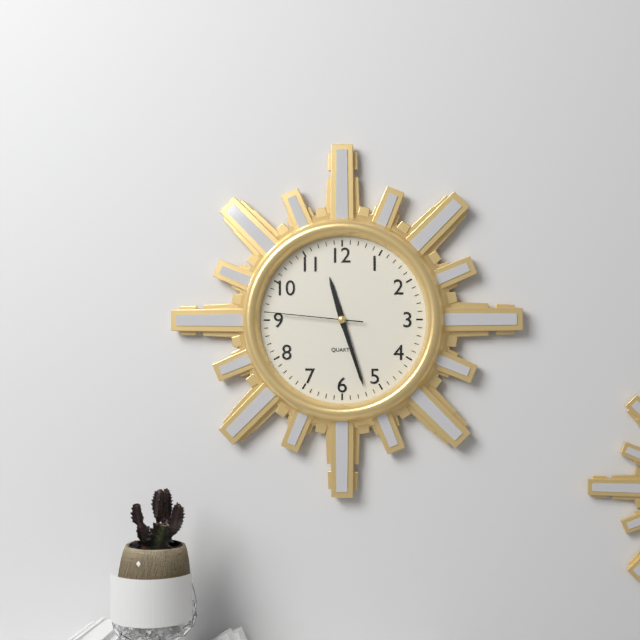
11:27:46
